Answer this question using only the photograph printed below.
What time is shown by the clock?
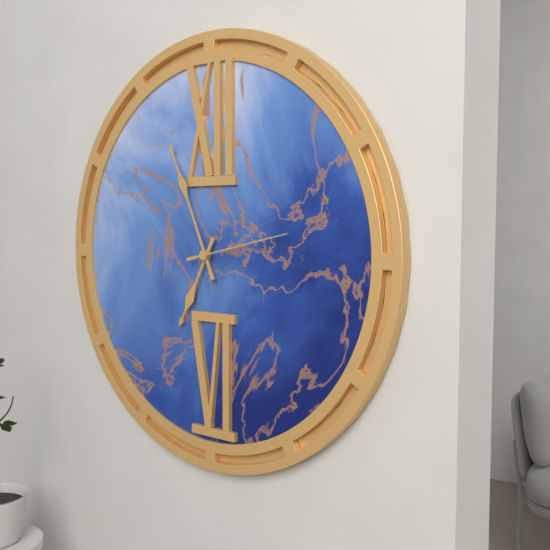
6:56:13
